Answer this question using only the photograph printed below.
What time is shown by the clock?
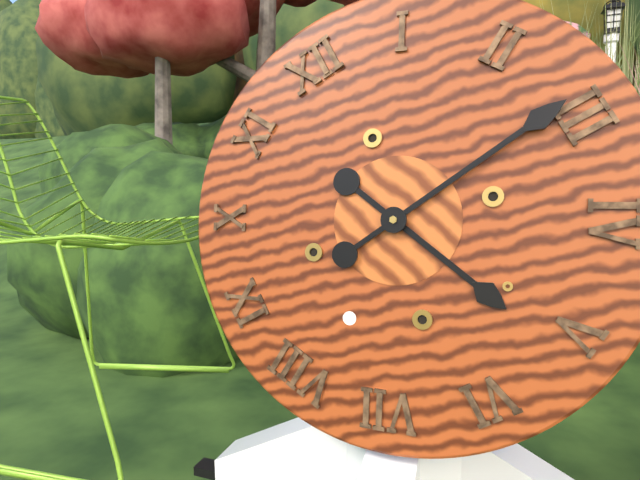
5:14
